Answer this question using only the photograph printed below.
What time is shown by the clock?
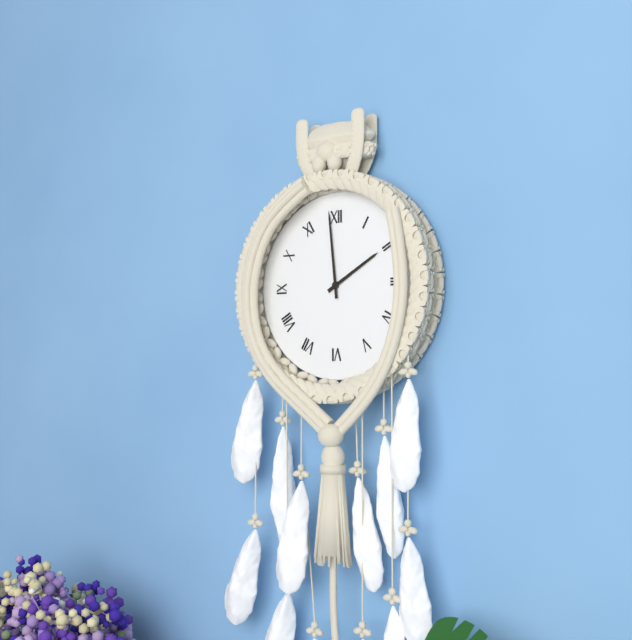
1:59
